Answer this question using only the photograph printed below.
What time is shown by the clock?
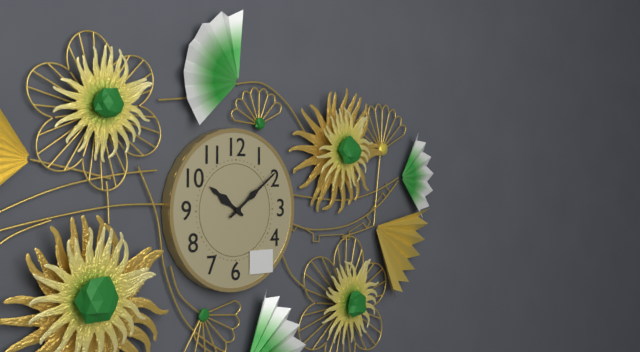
10:09
